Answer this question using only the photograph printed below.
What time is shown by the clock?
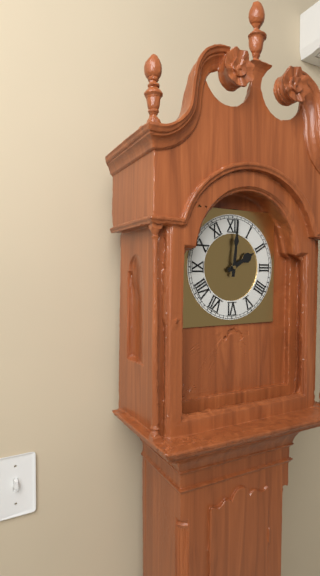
2:01
